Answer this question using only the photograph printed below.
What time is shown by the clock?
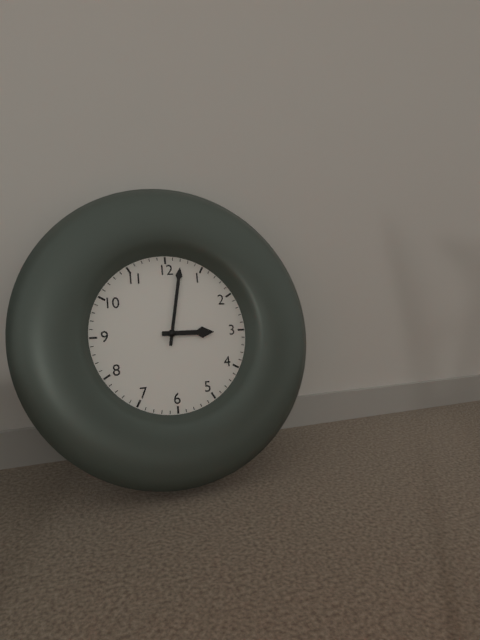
3:02
